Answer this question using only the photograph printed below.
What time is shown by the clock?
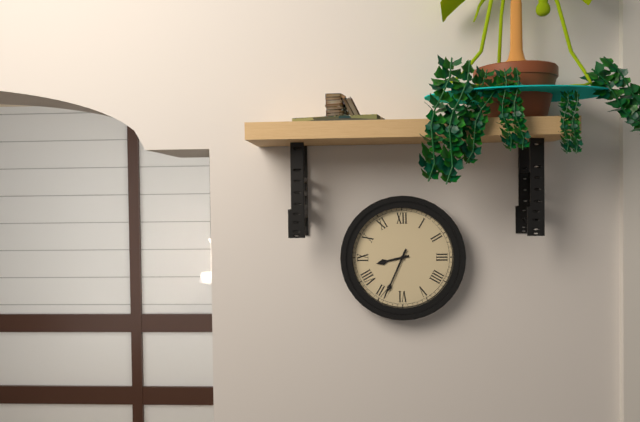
8:34
